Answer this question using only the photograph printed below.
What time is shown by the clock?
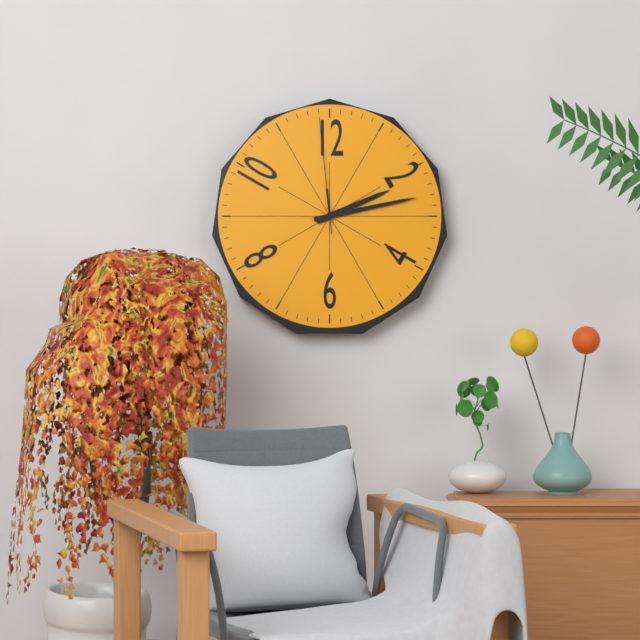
2:13:59
